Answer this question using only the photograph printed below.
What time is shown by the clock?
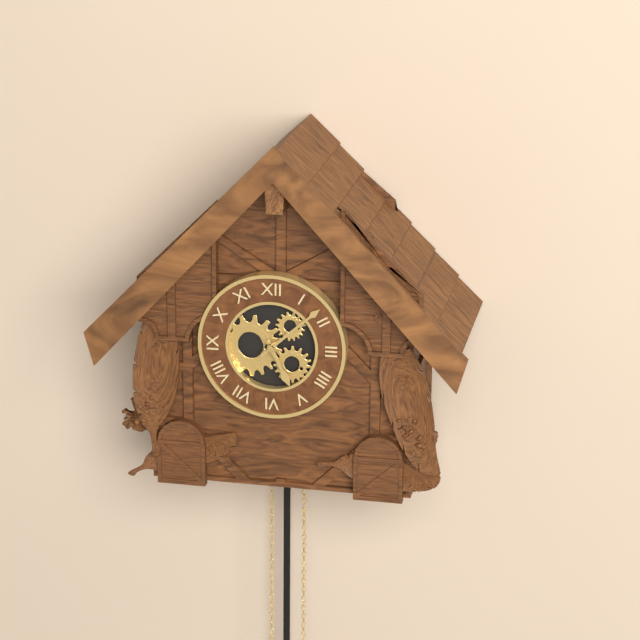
5:08
